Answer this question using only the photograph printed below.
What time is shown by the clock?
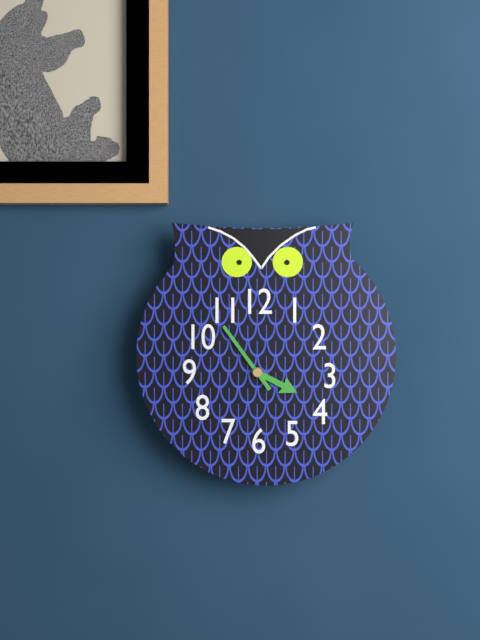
3:54
